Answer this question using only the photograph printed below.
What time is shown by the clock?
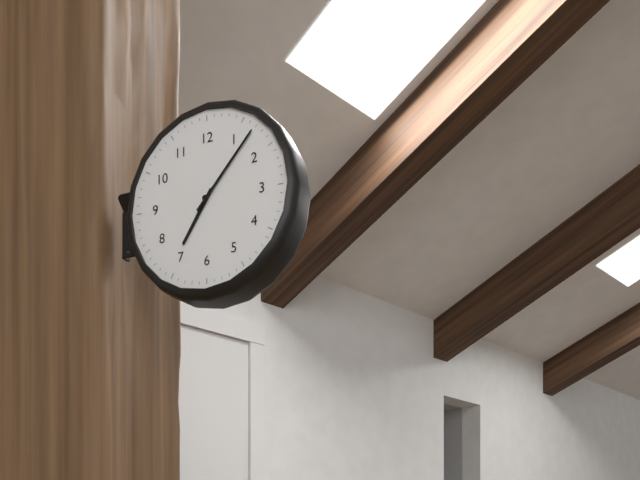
7:07
